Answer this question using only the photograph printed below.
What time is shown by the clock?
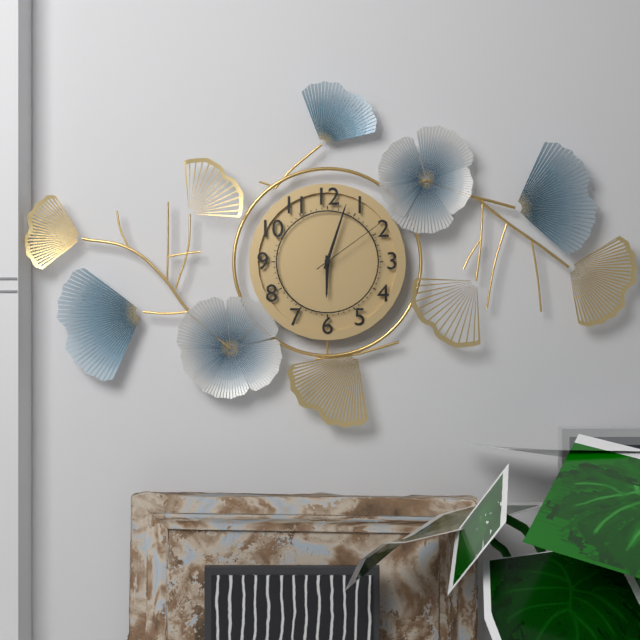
6:03:09
